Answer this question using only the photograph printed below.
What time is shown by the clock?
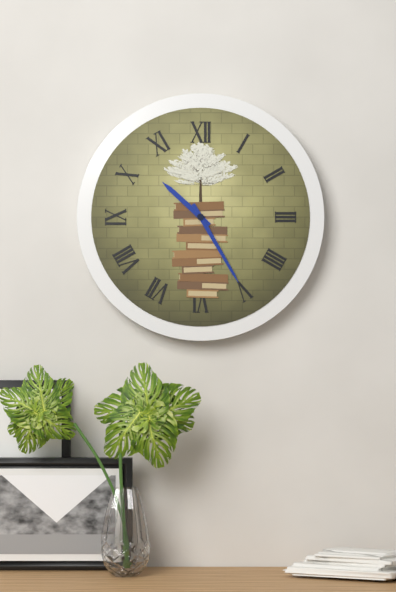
10:25
